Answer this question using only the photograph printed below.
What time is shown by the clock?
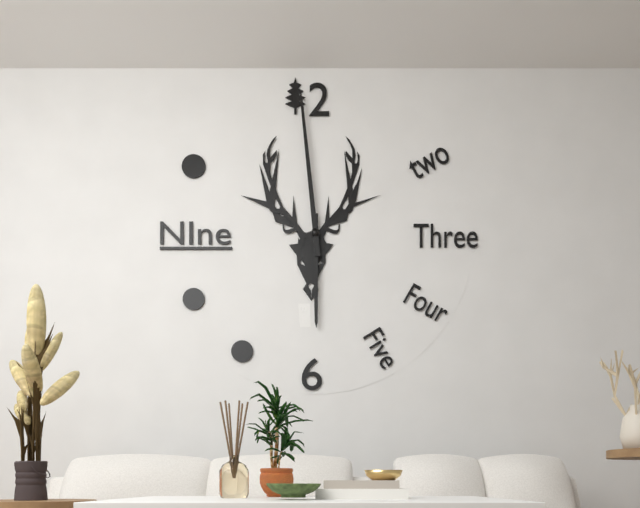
5:59
